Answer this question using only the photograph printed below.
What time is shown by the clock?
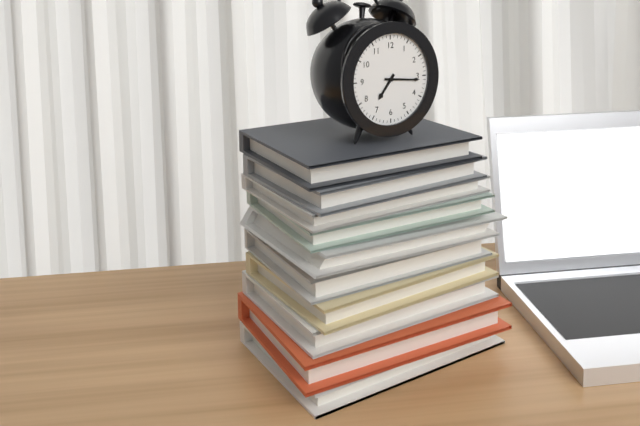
7:16
